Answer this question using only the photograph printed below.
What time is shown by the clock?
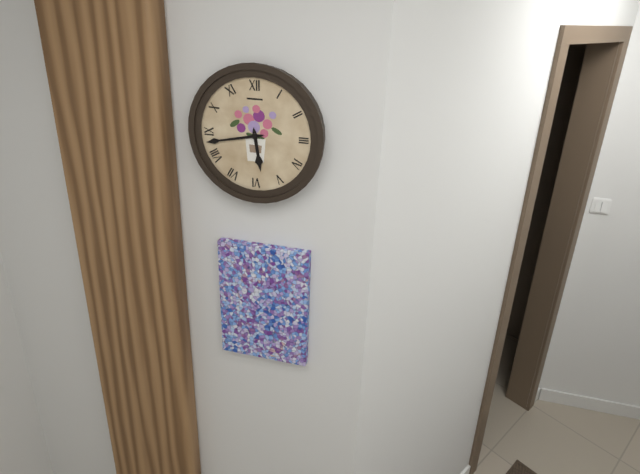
5:43
